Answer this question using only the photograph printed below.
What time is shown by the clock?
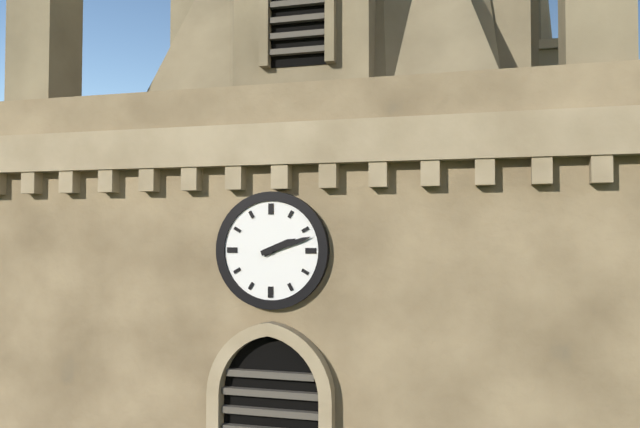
2:12
